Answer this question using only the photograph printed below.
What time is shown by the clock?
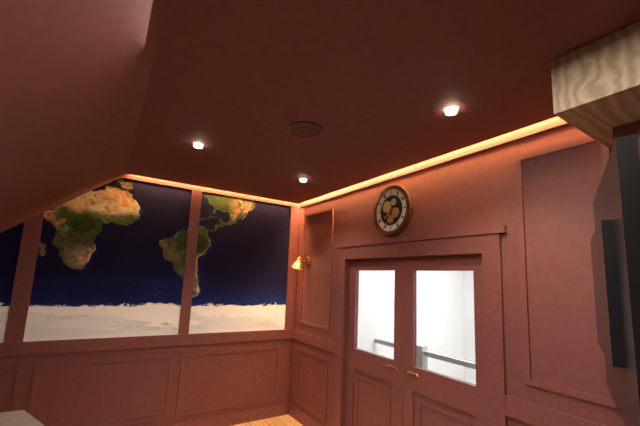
7:33
